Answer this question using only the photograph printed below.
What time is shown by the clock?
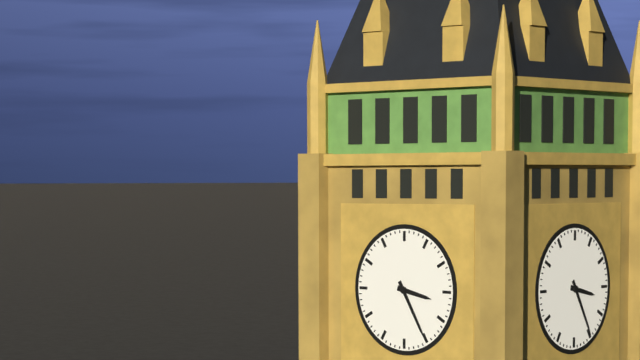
3:25
